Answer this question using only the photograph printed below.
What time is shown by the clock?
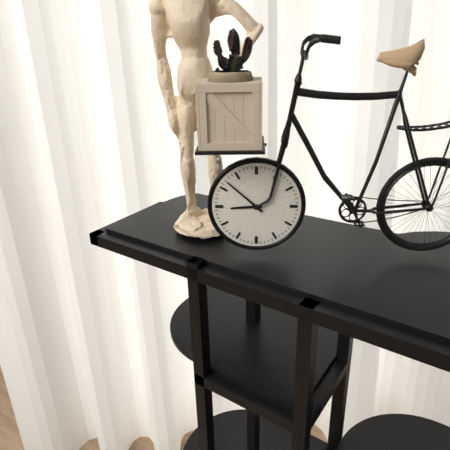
8:52
